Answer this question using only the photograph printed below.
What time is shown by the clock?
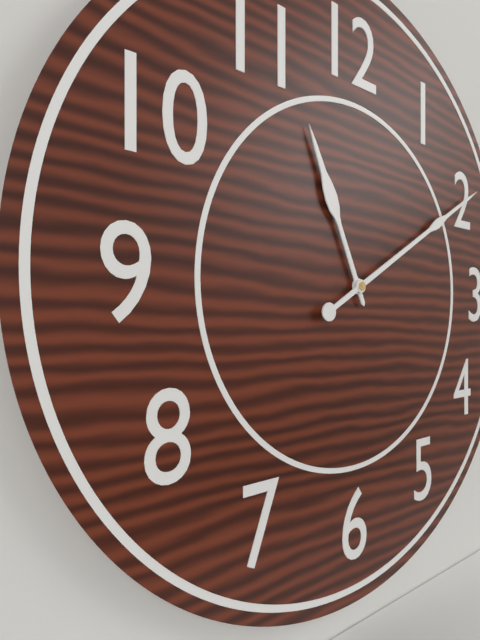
11:10
